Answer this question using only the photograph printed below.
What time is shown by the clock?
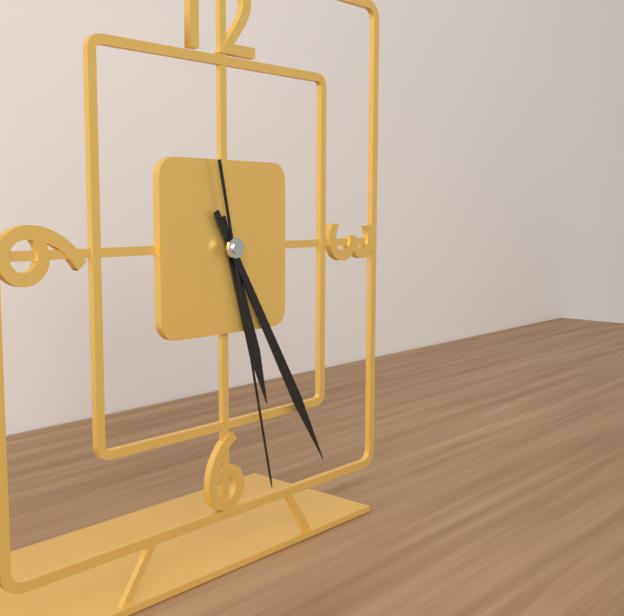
5:25:28
